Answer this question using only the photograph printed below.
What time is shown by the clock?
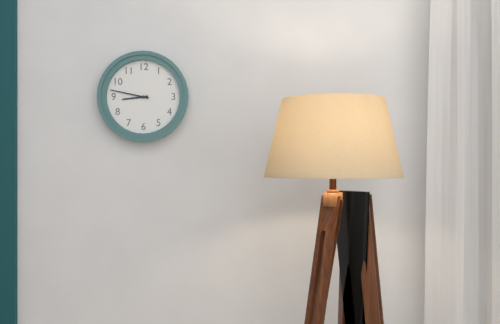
8:47
